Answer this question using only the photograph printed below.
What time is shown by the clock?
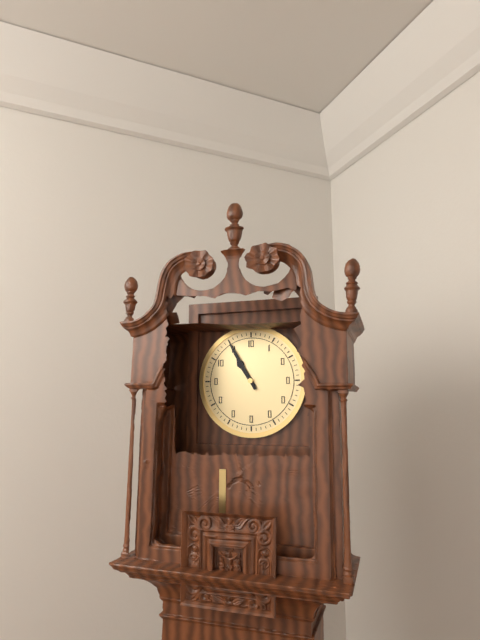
10:55
